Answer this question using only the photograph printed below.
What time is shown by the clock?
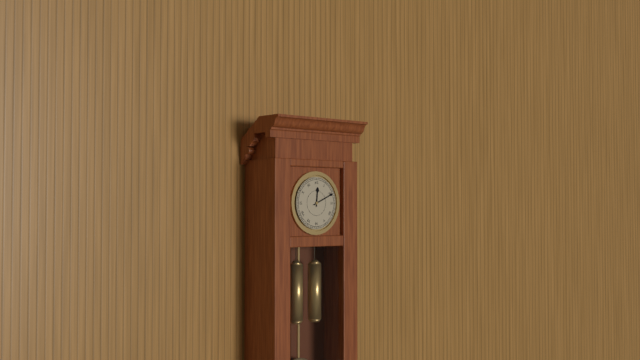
12:11
